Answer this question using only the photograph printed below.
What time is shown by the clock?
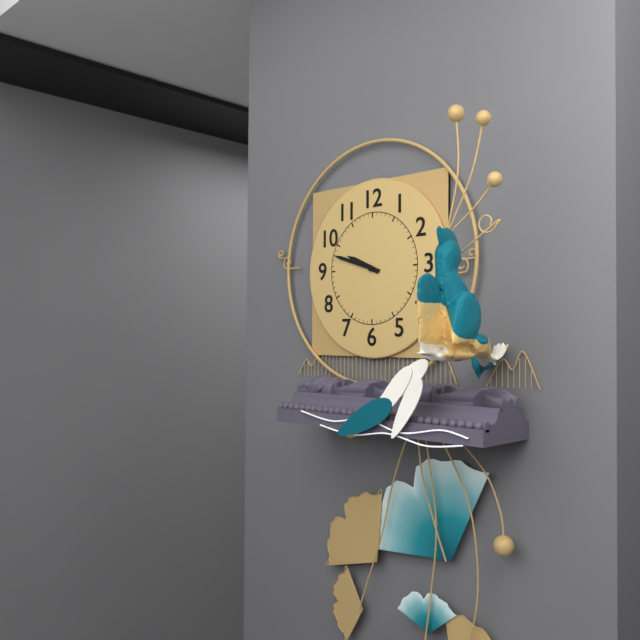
9:48
